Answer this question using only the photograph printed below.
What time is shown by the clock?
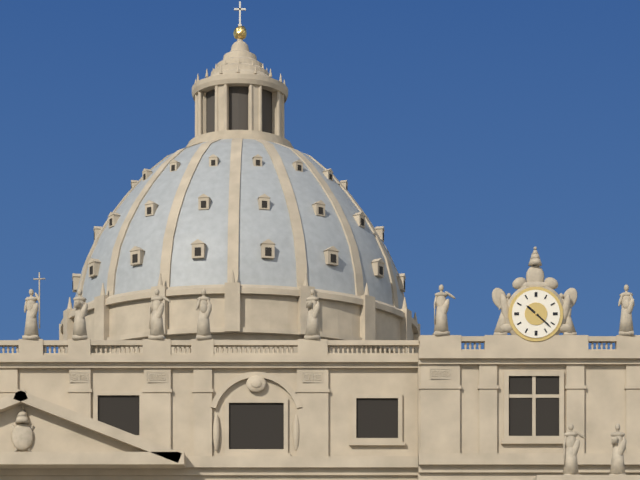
10:22
